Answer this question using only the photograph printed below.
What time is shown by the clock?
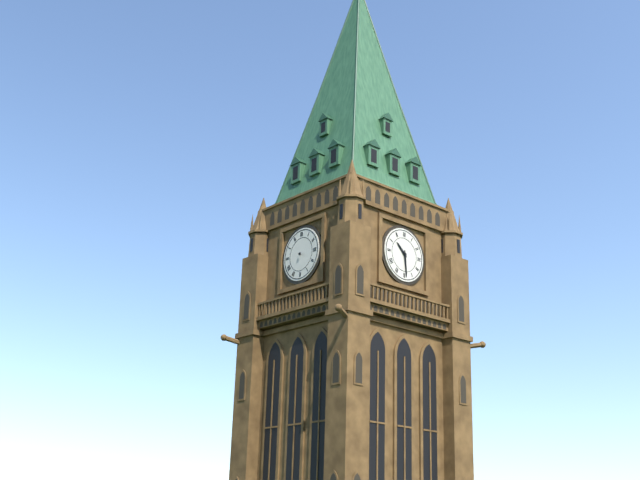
10:29
